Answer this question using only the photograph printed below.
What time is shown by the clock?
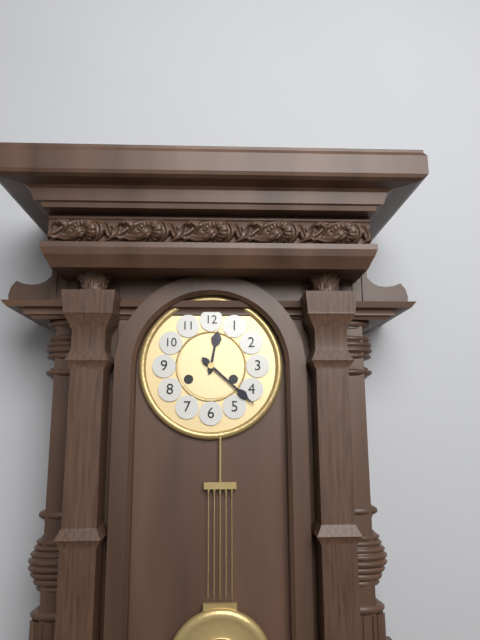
12:22
